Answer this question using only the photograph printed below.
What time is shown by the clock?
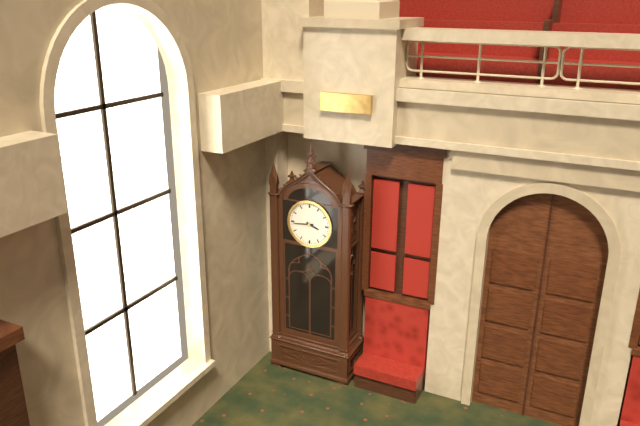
3:44
